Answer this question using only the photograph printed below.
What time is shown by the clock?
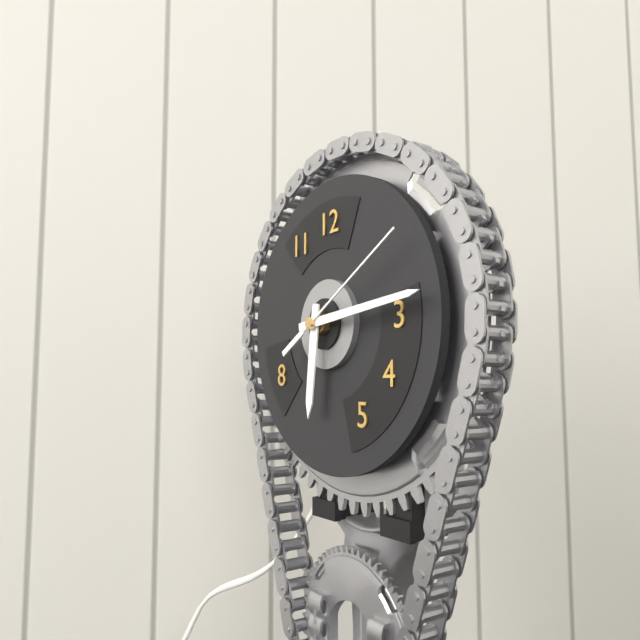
6:14:10
